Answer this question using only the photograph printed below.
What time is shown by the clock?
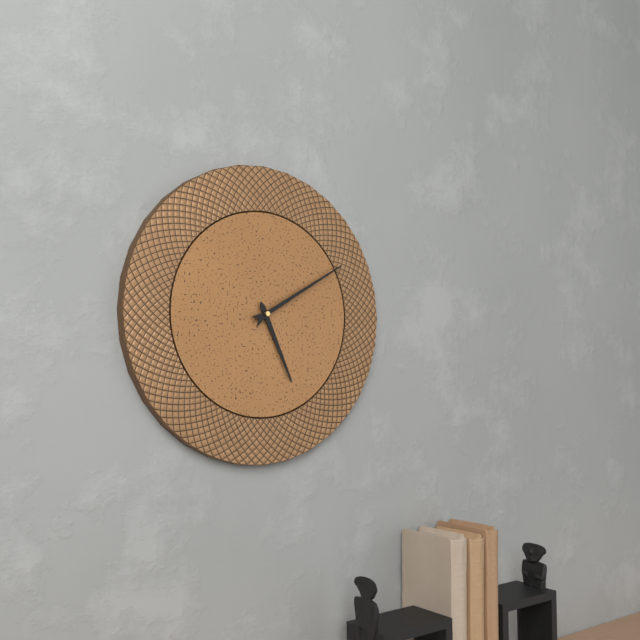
5:10
